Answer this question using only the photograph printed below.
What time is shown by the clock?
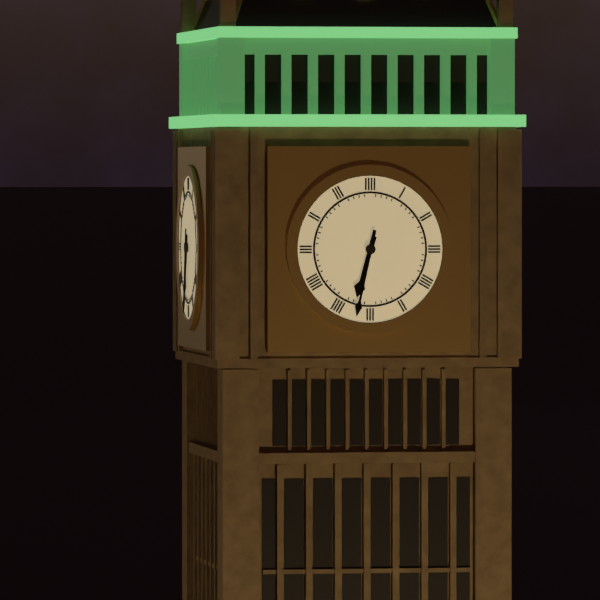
6:32
